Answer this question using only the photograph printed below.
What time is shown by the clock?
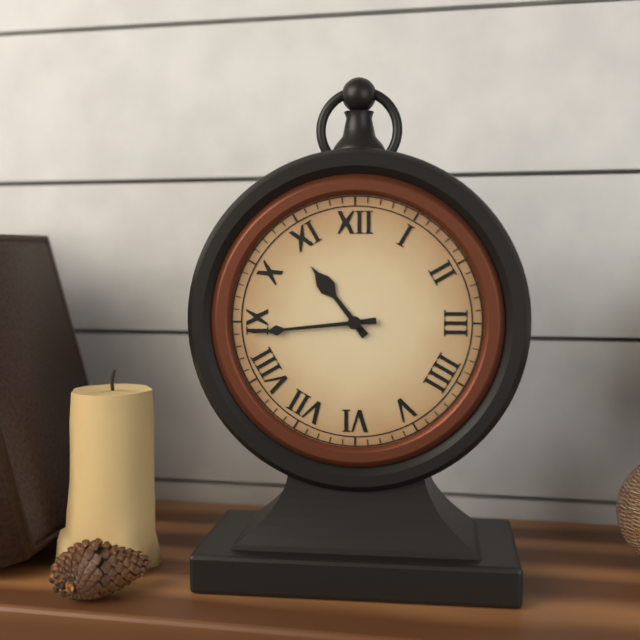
10:44
